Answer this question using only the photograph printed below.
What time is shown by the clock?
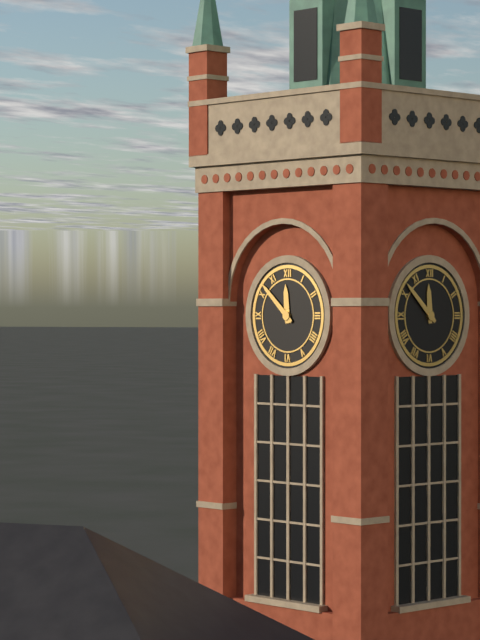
11:52
